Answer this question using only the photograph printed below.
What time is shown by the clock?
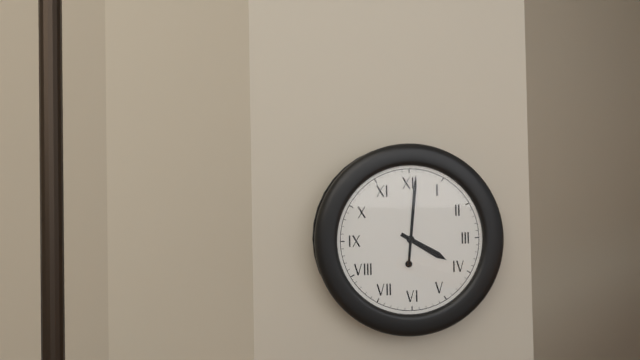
4:01
